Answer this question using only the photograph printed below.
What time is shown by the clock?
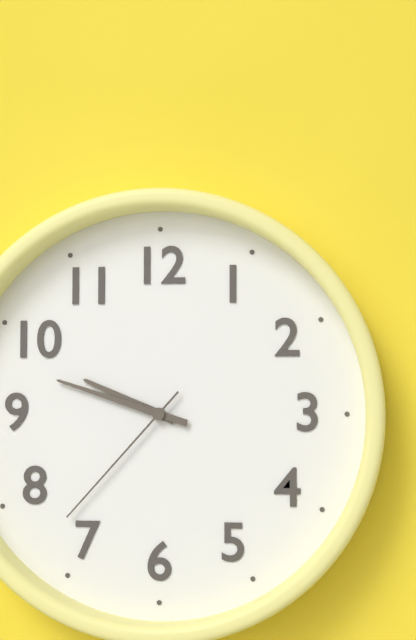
9:48:37
